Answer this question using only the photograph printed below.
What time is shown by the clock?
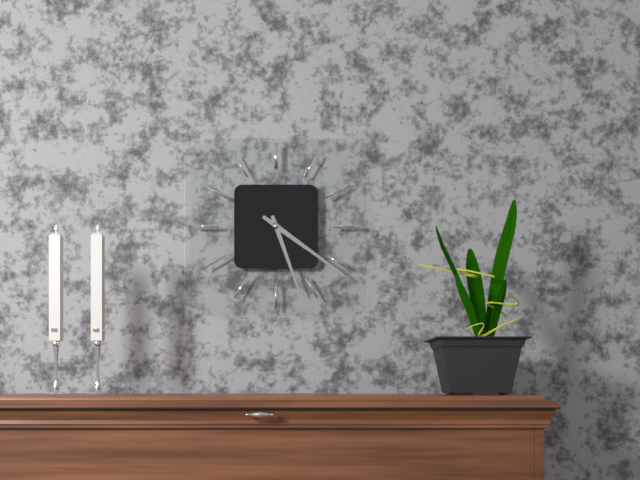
5:21
